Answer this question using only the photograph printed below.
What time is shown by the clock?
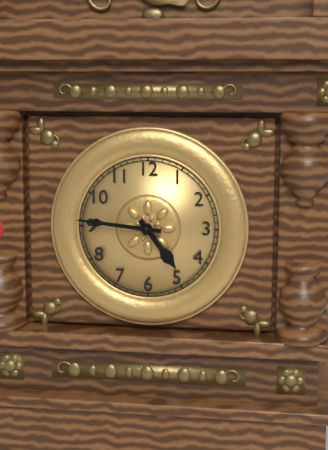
4:46
